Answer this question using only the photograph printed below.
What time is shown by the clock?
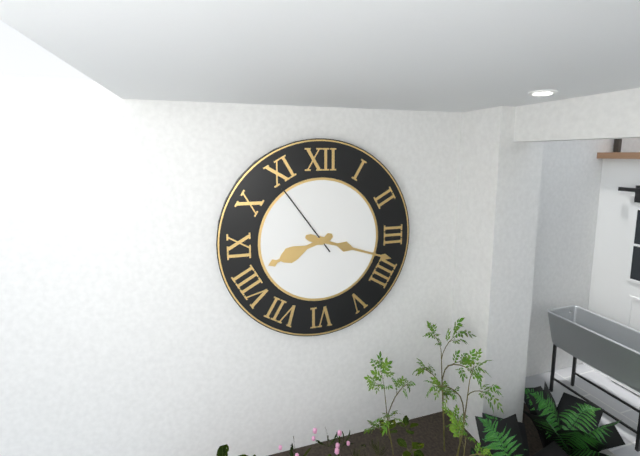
8:18:54
